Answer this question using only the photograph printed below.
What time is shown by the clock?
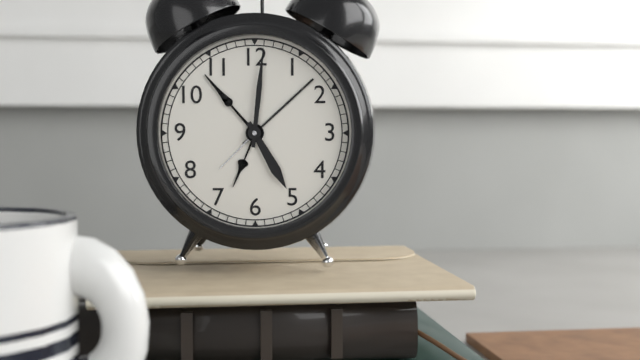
5:01
